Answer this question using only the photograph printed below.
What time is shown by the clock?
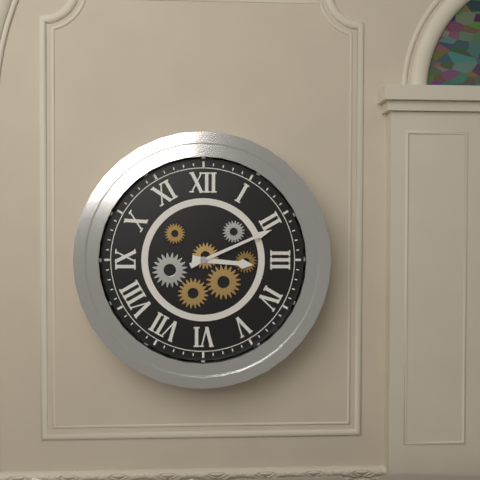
3:11
